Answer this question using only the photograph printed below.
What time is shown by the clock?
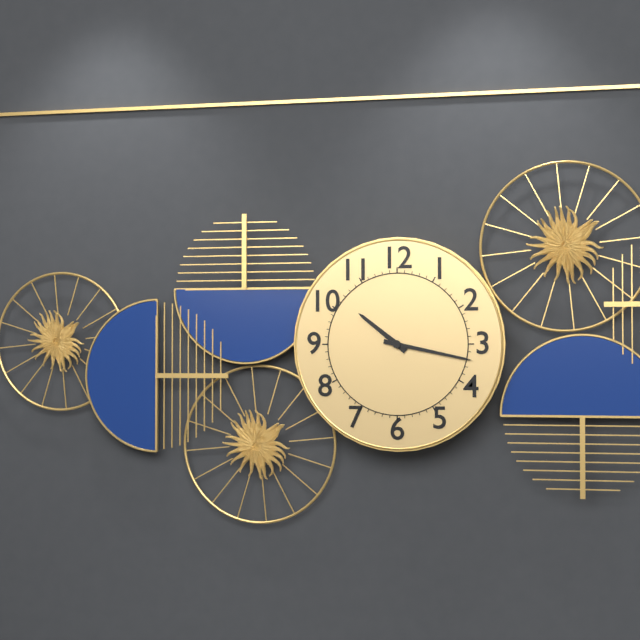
10:17
